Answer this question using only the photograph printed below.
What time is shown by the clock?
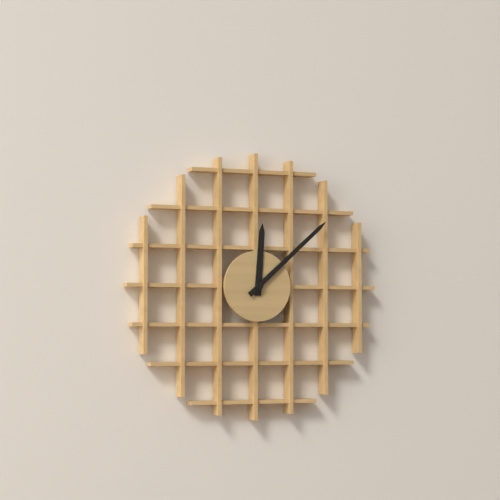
12:08
